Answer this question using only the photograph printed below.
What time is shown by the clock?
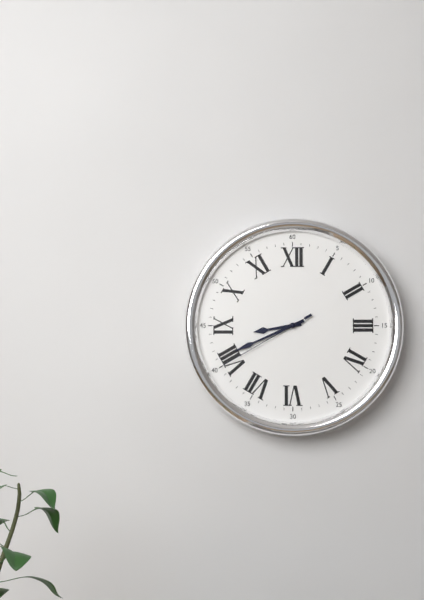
8:41:40
